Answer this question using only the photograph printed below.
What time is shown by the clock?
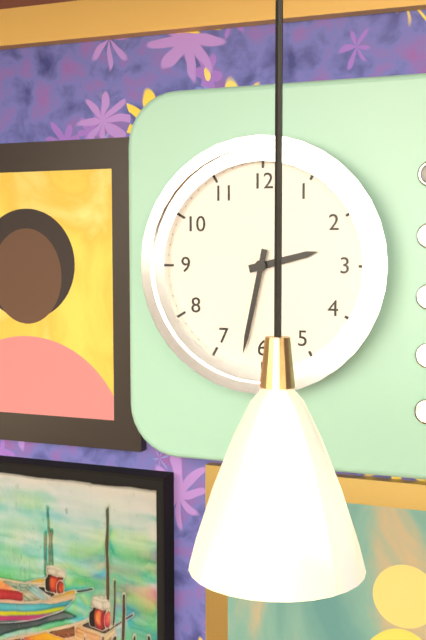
2:32
